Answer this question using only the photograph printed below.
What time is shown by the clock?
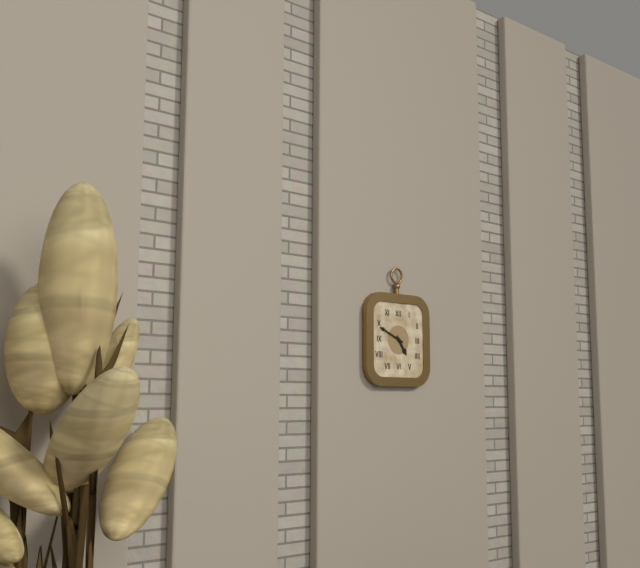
4:49
